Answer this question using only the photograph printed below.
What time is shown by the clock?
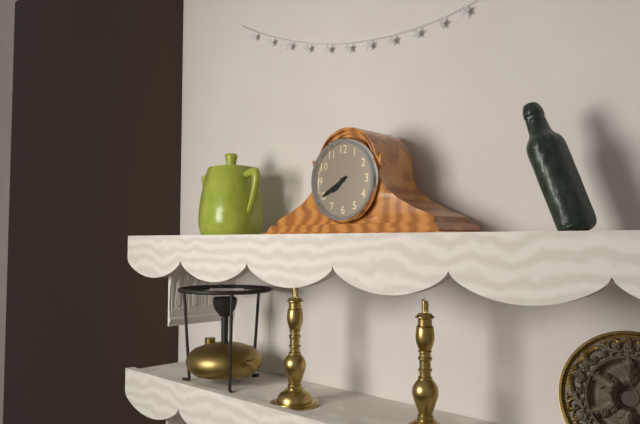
7:40
